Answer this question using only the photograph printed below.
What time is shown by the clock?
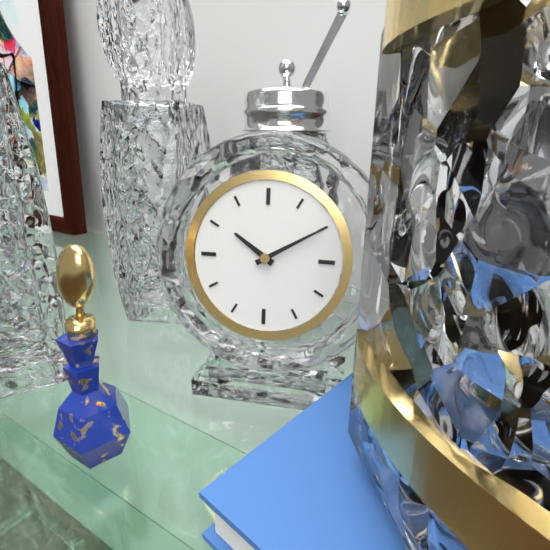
10:10
